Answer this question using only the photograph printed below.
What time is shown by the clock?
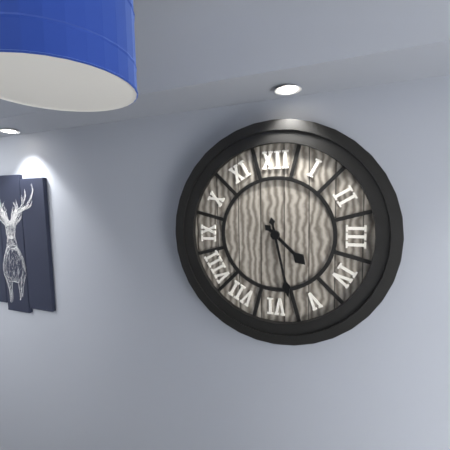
4:28
